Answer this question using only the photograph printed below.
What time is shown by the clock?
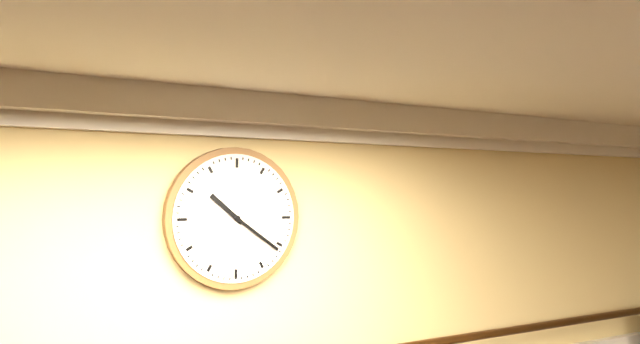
10:21
